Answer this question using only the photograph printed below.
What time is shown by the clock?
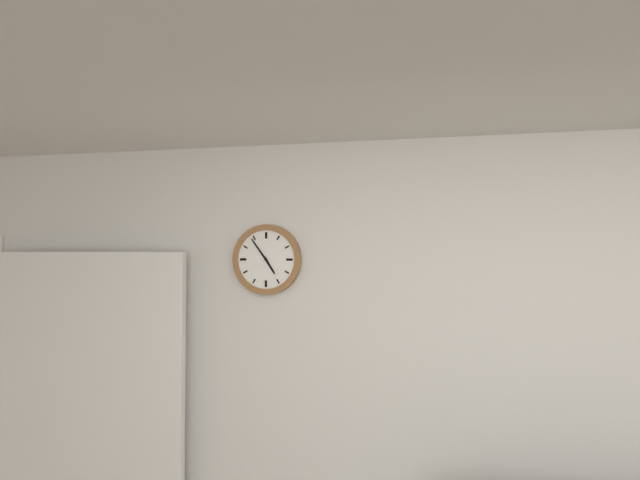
4:54
